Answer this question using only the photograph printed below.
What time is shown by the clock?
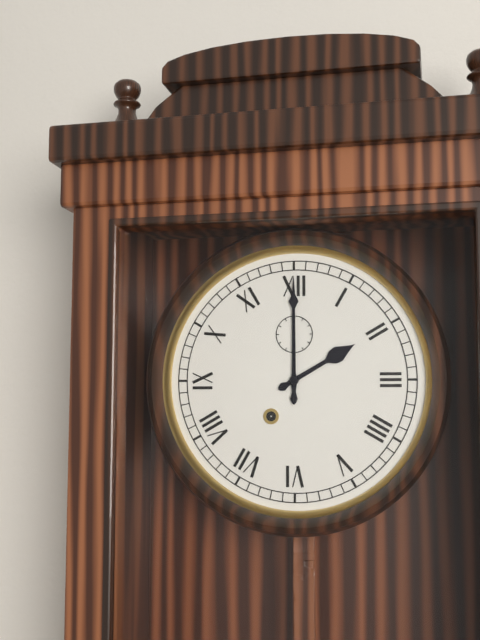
2:00
